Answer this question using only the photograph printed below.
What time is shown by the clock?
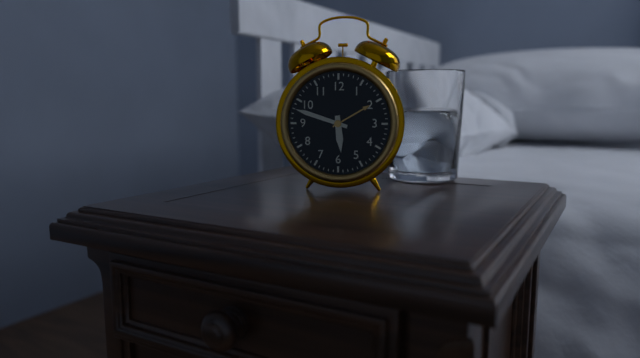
5:48
